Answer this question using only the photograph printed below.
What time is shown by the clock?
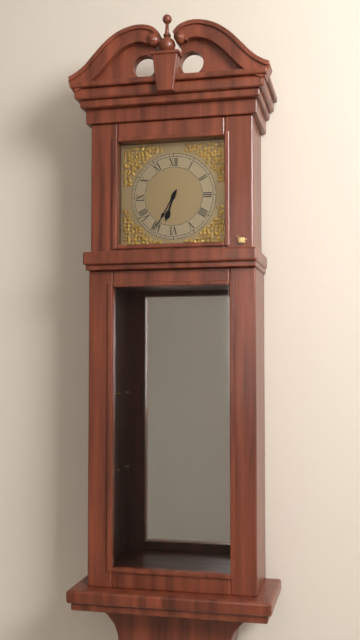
6:35
